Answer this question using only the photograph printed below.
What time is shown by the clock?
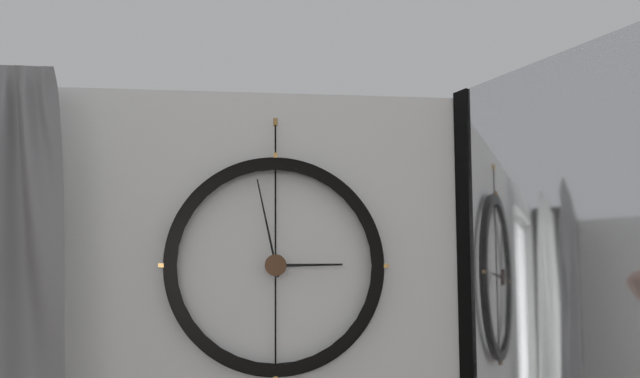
2:58
